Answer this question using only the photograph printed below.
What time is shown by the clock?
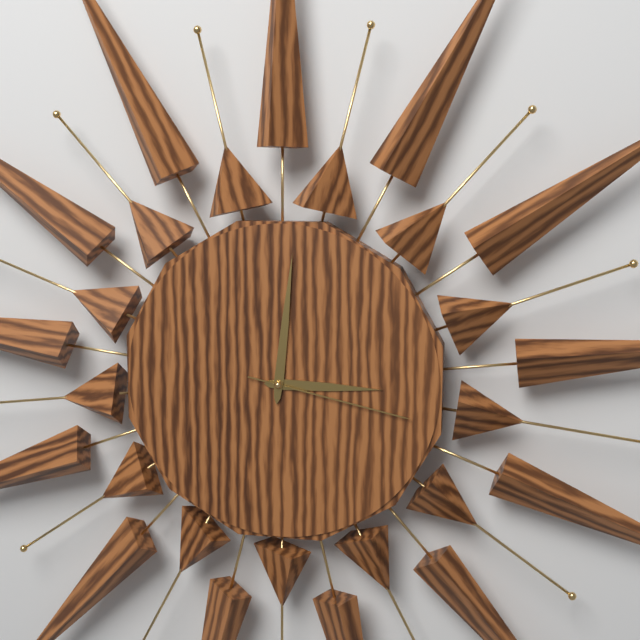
3:01:17
